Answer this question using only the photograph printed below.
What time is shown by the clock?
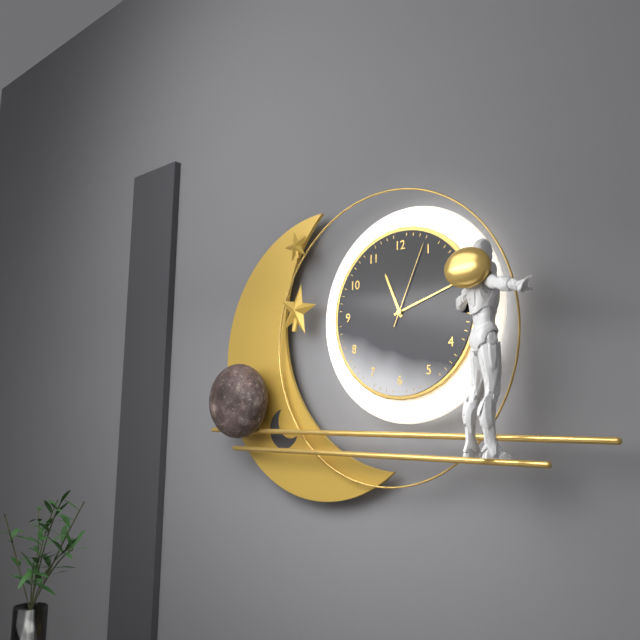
11:12:04
